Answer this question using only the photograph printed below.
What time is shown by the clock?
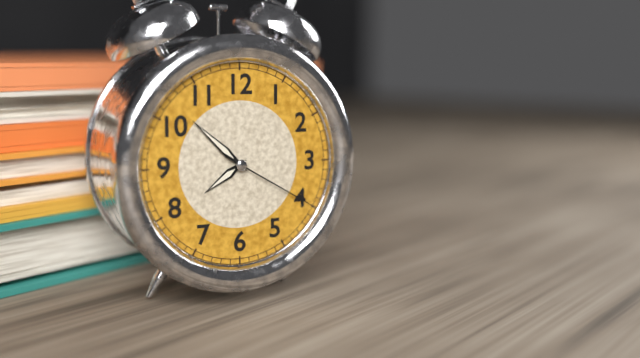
7:52:20
